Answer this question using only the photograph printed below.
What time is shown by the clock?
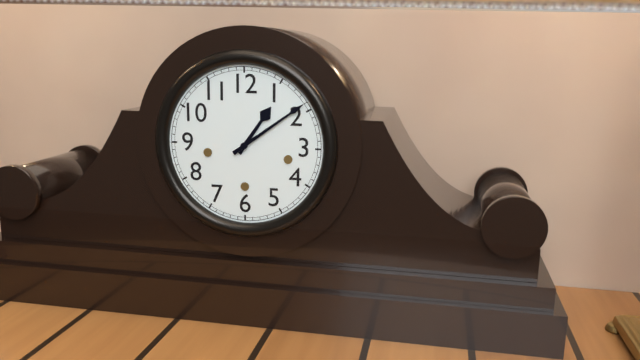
1:09
